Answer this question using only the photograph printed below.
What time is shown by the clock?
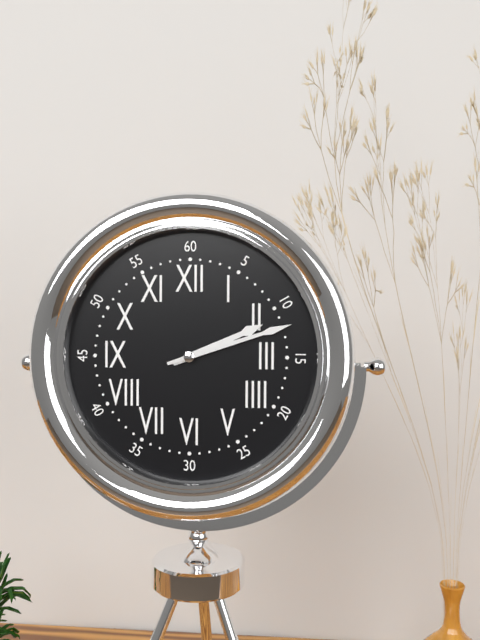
2:12
